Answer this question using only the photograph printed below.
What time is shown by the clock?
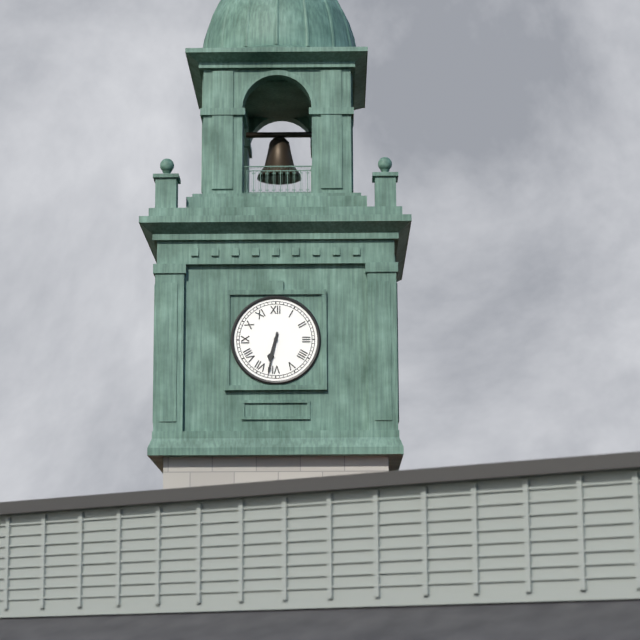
6:32
